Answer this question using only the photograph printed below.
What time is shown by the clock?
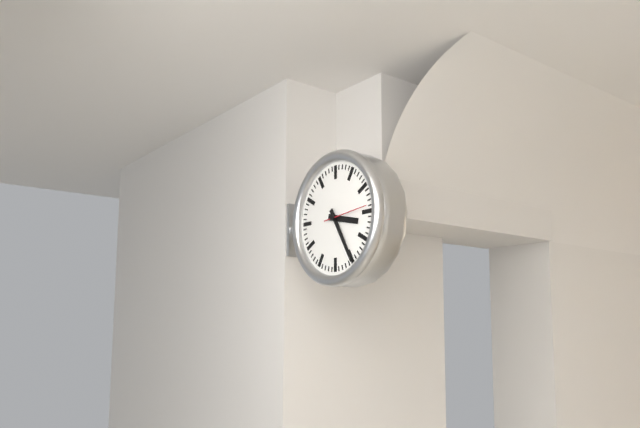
3:25
